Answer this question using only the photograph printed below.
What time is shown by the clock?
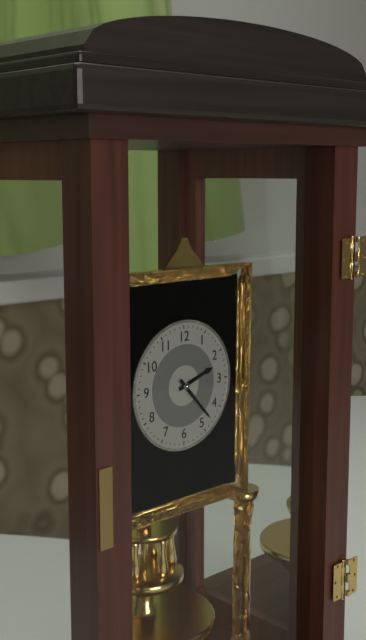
2:23
